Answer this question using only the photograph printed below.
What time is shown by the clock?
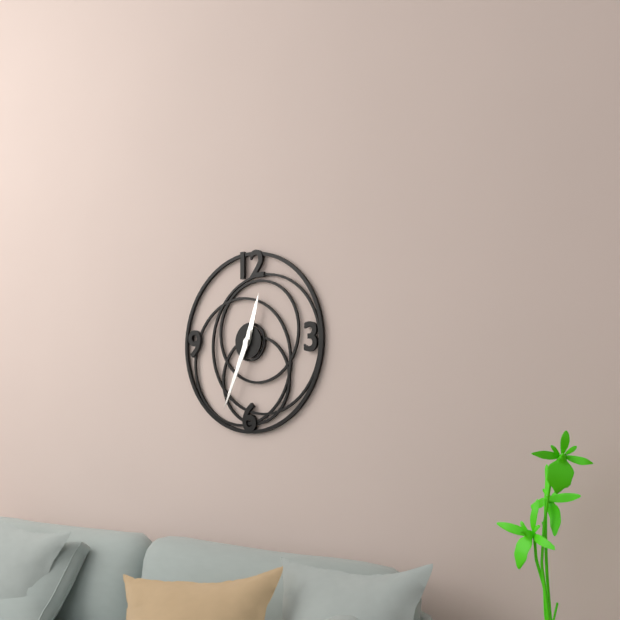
12:34
